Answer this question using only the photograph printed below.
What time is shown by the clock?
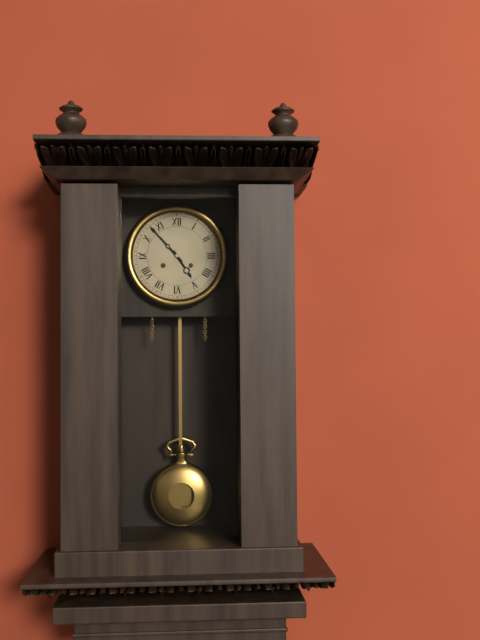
4:53
